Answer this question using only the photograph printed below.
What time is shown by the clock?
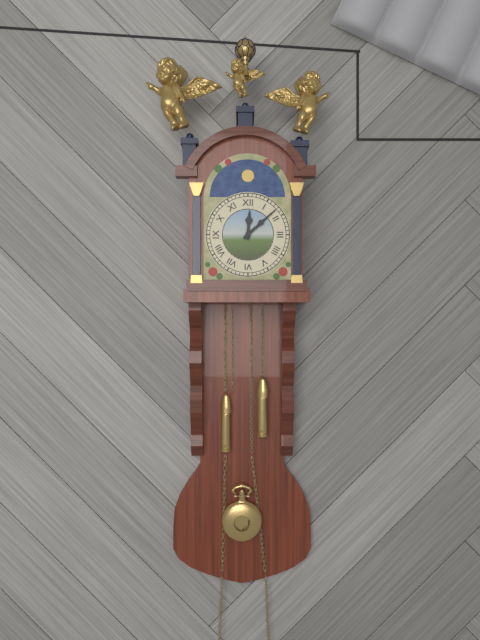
12:08
